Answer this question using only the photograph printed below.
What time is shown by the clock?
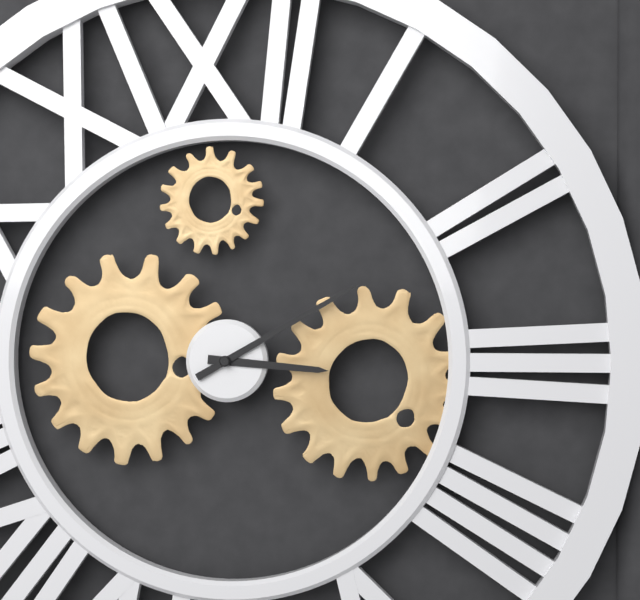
3:10
